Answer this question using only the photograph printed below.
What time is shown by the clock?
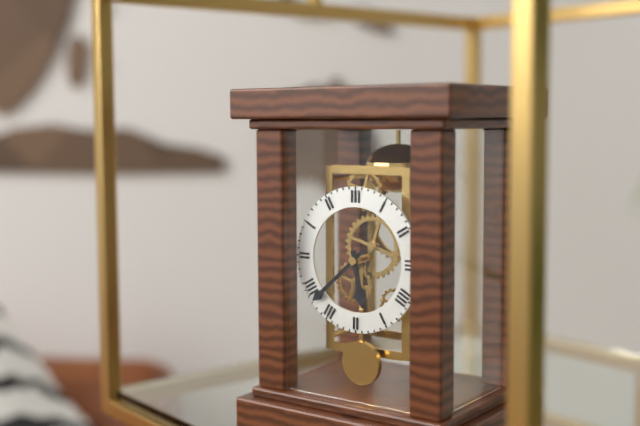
5:38
